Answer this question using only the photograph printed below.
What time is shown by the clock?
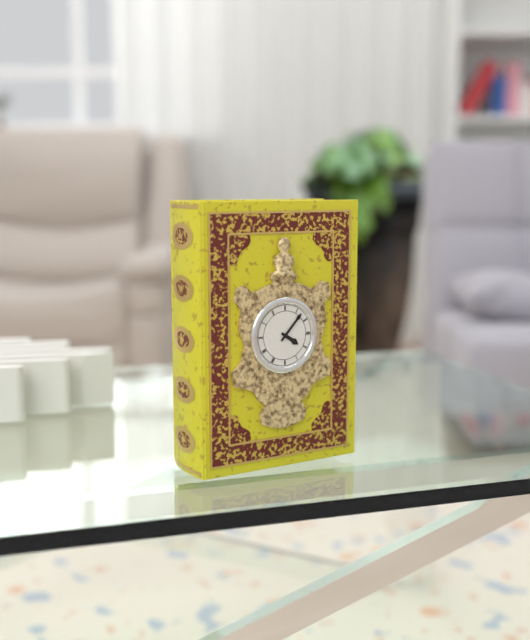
4:07
